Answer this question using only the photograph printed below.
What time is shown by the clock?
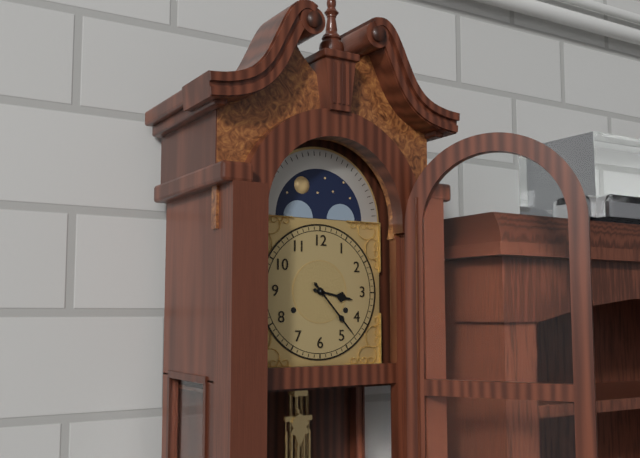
3:23
